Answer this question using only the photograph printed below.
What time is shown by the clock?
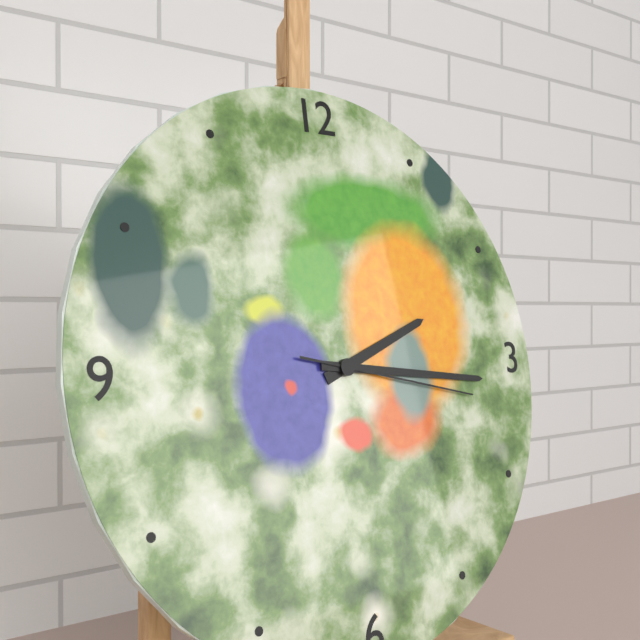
2:16:17
